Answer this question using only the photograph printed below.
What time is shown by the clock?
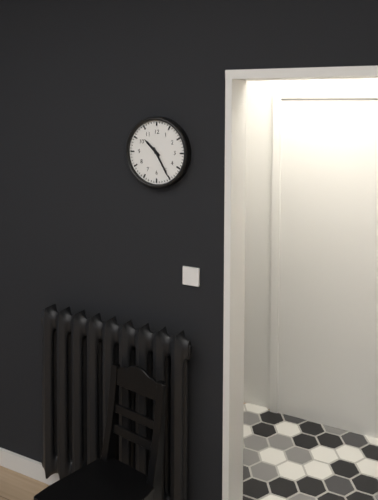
10:25
